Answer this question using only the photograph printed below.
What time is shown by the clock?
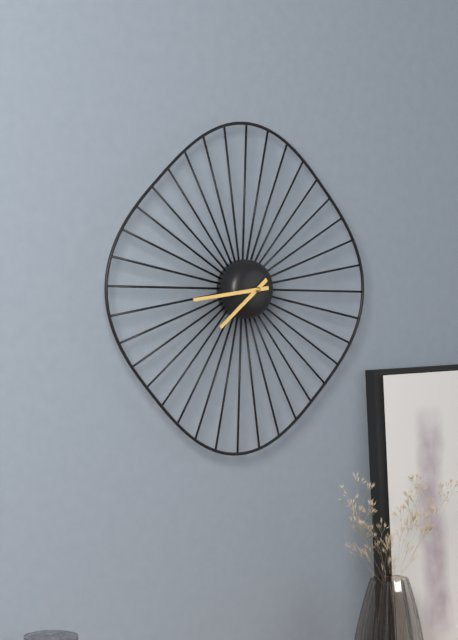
7:44
